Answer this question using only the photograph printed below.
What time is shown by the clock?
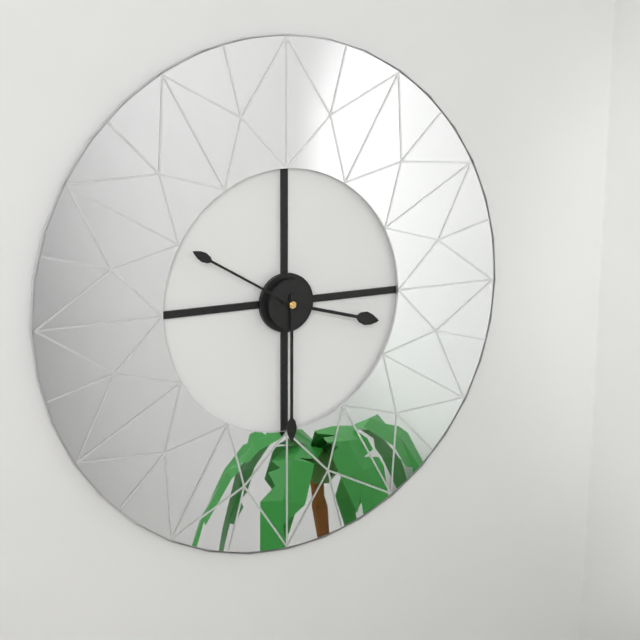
3:30:50
